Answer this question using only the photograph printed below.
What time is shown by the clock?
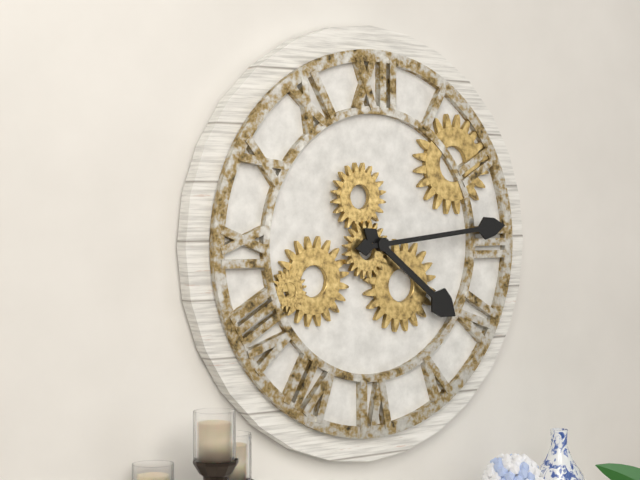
4:14
